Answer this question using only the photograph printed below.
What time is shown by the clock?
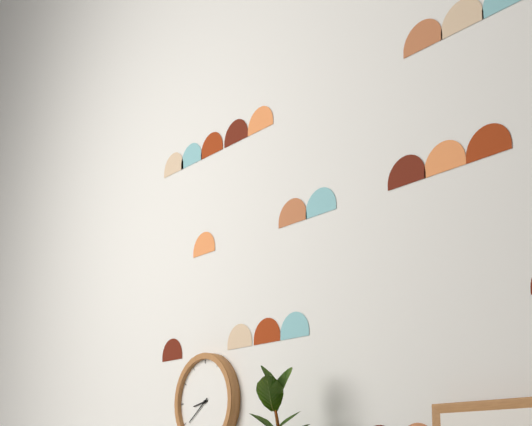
8:39
